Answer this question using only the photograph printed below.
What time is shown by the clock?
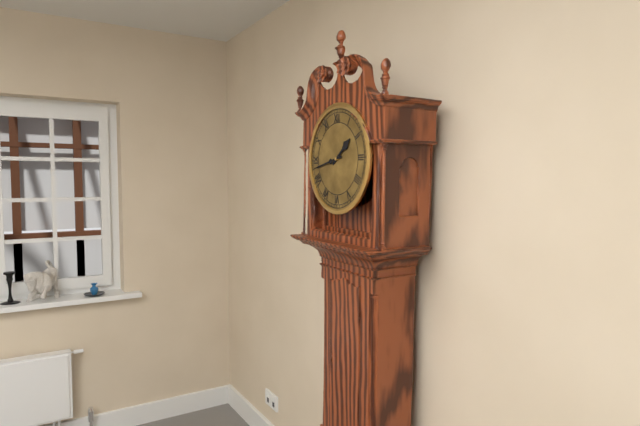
1:43
